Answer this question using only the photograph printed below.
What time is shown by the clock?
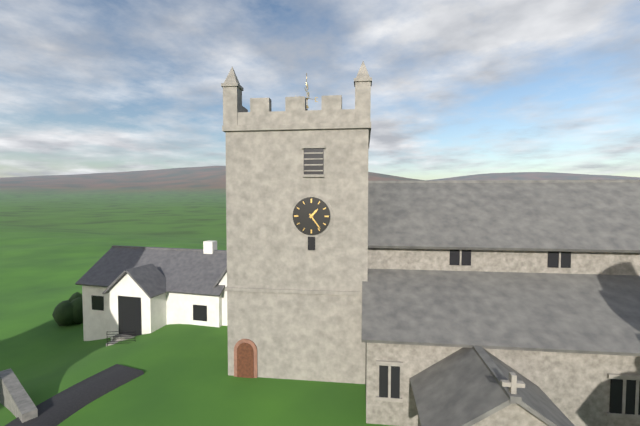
1:24
